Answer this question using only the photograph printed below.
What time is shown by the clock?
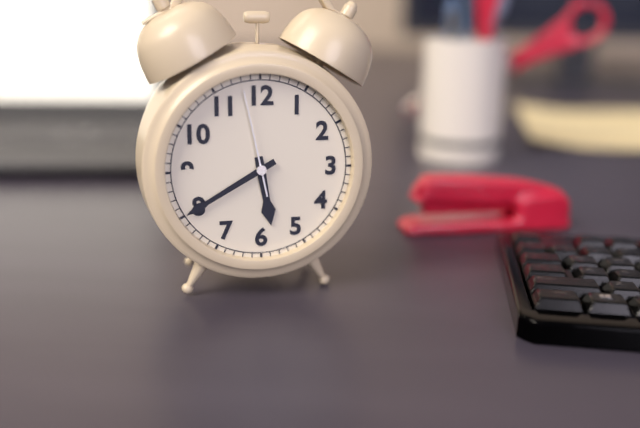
5:40:58
